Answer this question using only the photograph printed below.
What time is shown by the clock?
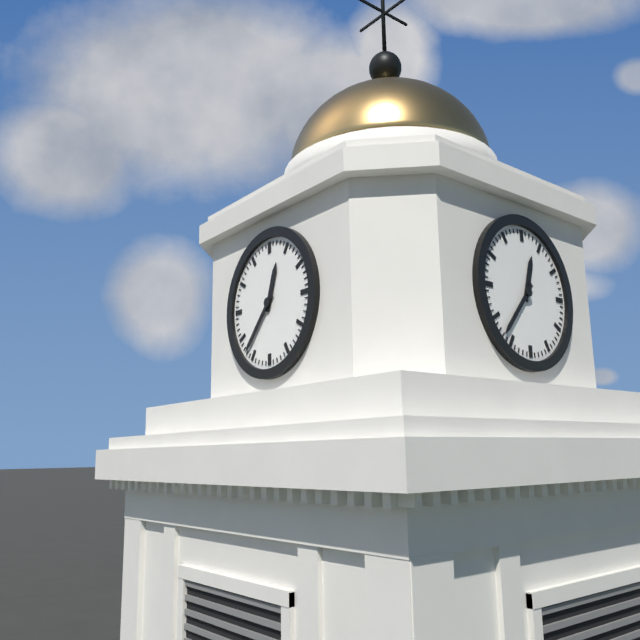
12:37
